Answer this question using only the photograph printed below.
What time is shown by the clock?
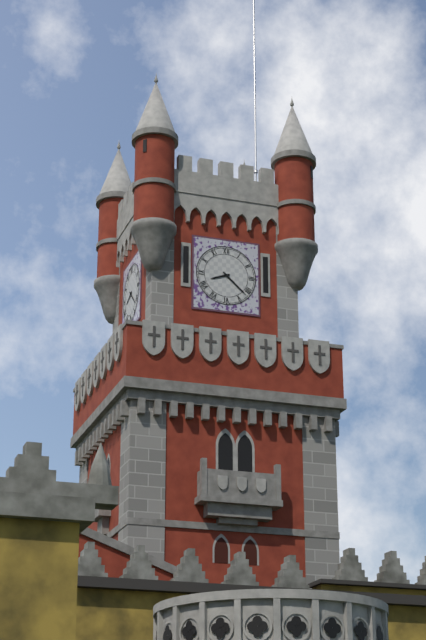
8:22
